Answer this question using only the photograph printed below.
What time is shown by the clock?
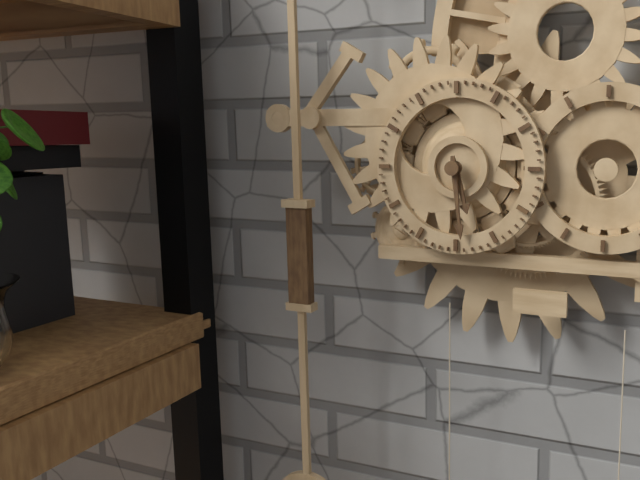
5:29
